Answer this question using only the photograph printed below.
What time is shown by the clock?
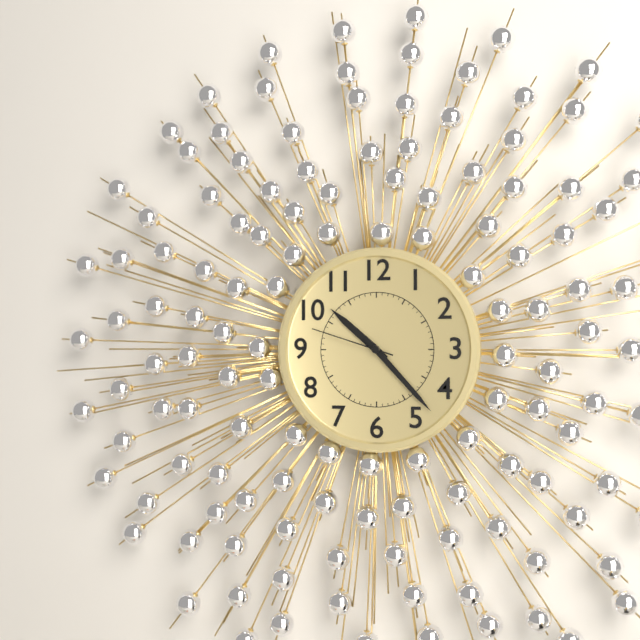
10:23:48
